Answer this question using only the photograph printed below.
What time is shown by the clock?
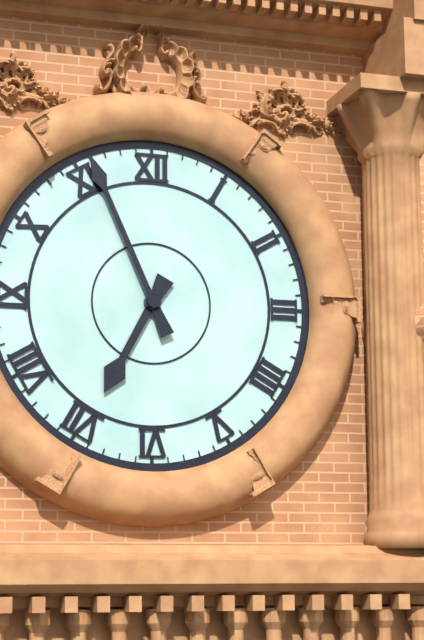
6:56
